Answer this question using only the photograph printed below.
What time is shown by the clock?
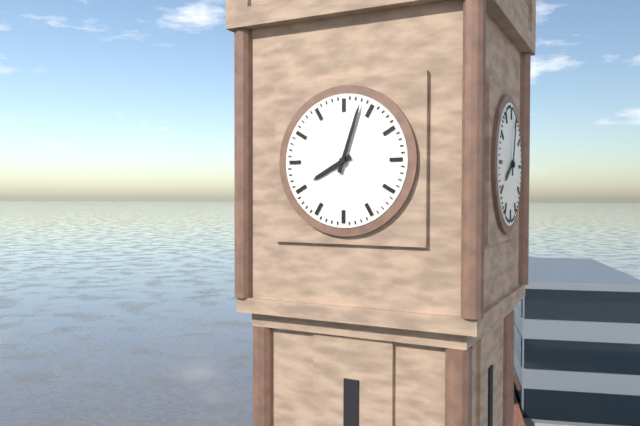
8:03
